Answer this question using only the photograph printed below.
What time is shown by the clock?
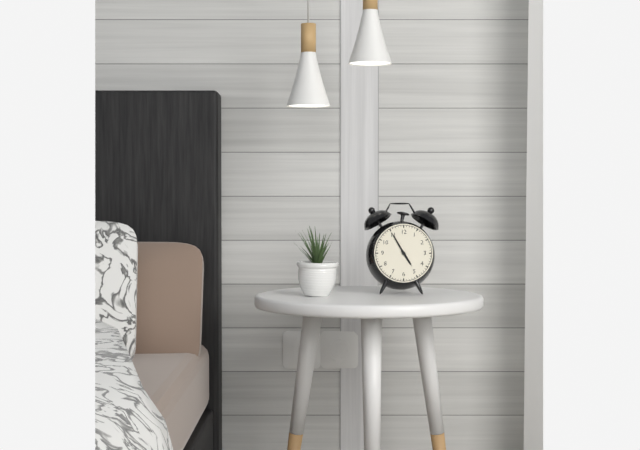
4:55
